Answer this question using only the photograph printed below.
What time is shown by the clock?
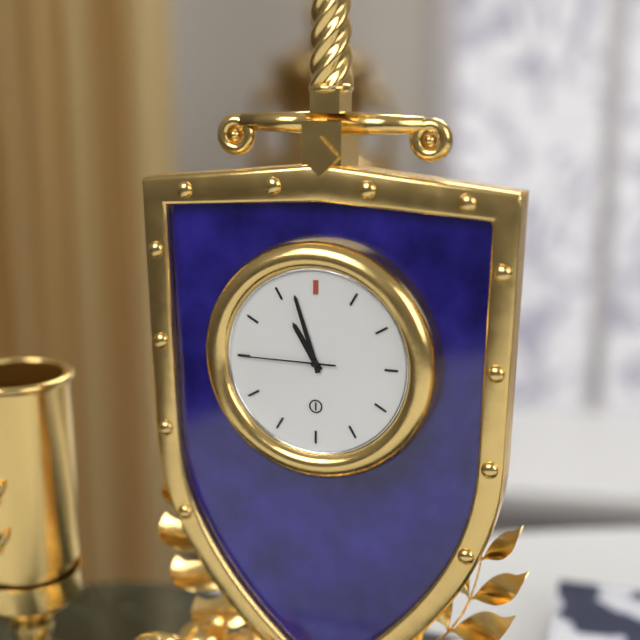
10:57:45
